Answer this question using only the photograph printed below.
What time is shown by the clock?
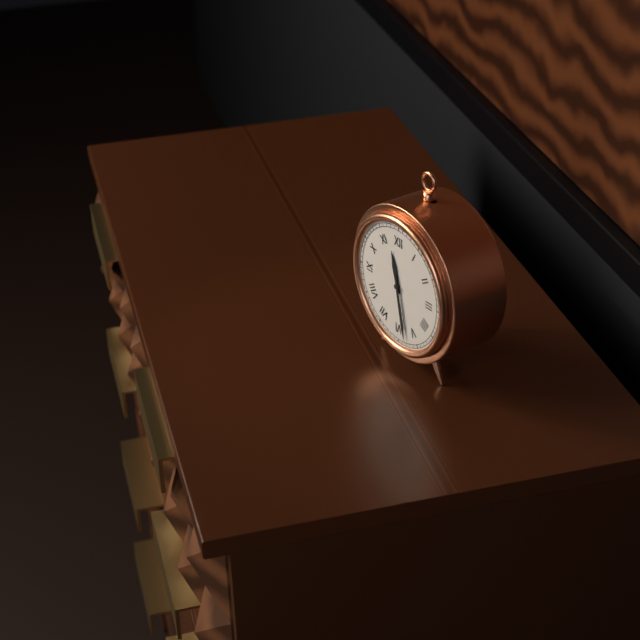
11:28
